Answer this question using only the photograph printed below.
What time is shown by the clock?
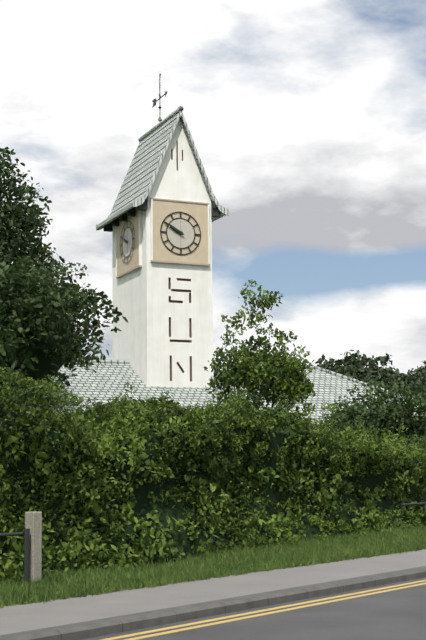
9:50
